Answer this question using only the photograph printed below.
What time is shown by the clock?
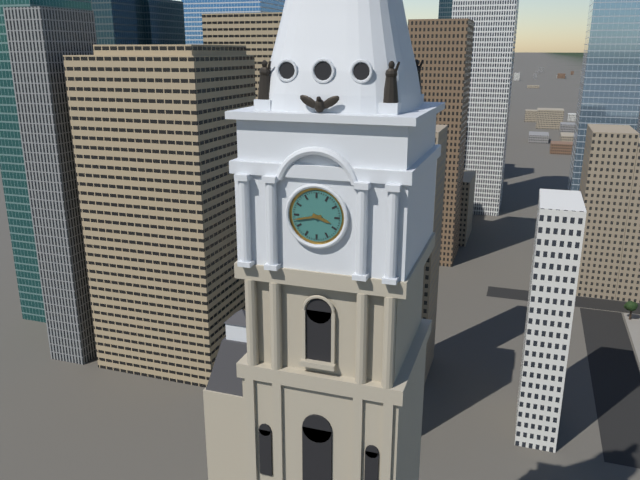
3:43
